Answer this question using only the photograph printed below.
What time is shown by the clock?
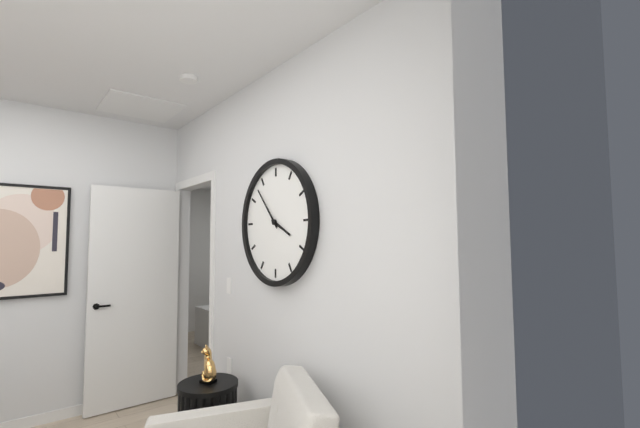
3:53
